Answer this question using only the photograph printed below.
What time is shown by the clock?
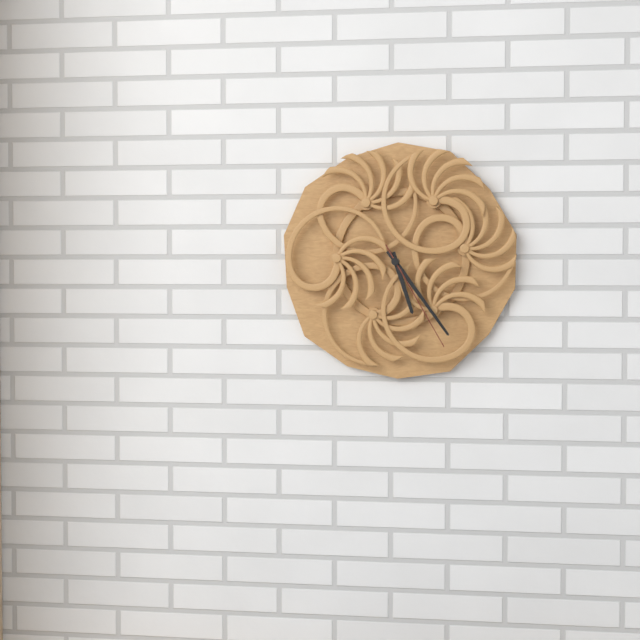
5:24:25
